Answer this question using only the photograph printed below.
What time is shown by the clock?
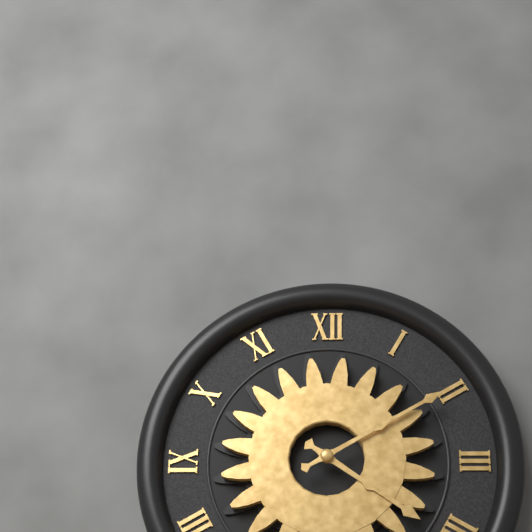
4:10
